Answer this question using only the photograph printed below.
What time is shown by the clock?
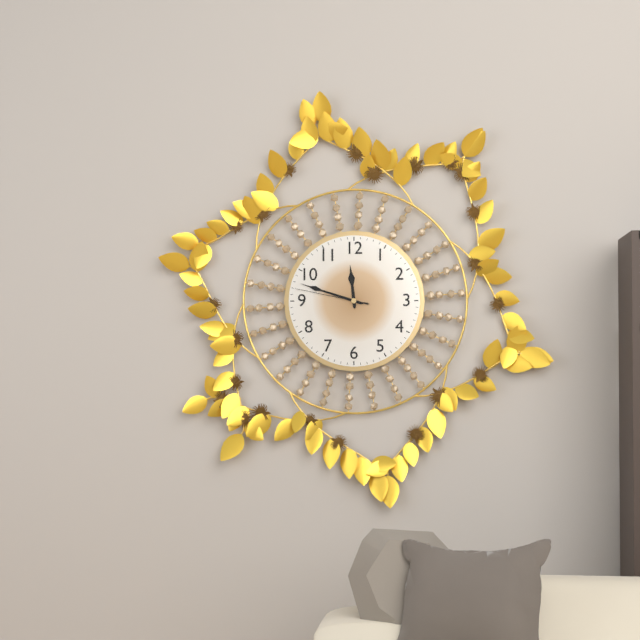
11:48:47
